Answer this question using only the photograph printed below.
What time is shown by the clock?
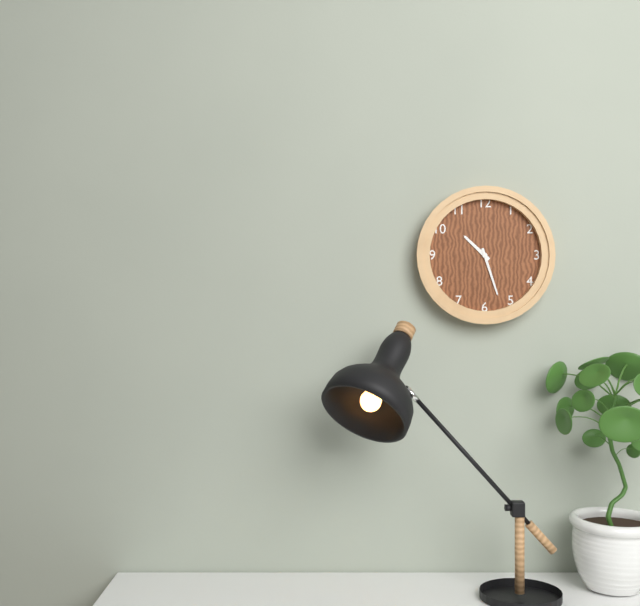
10:27
